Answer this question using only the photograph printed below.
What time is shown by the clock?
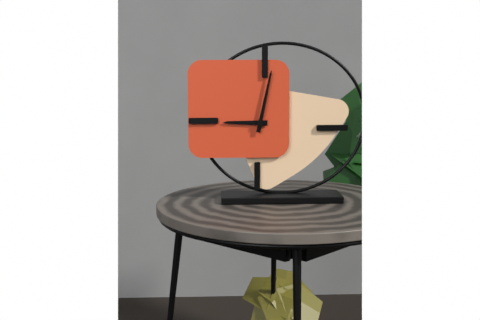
9:02
